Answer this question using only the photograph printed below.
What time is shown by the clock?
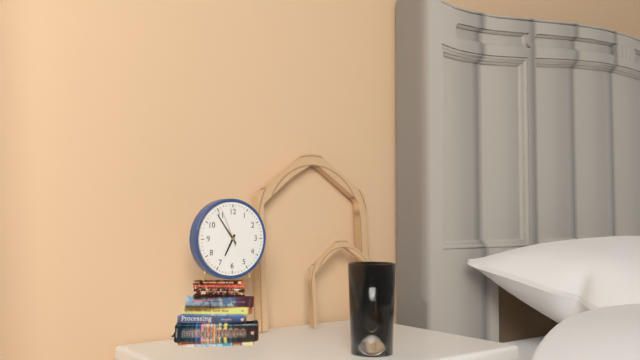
6:54
